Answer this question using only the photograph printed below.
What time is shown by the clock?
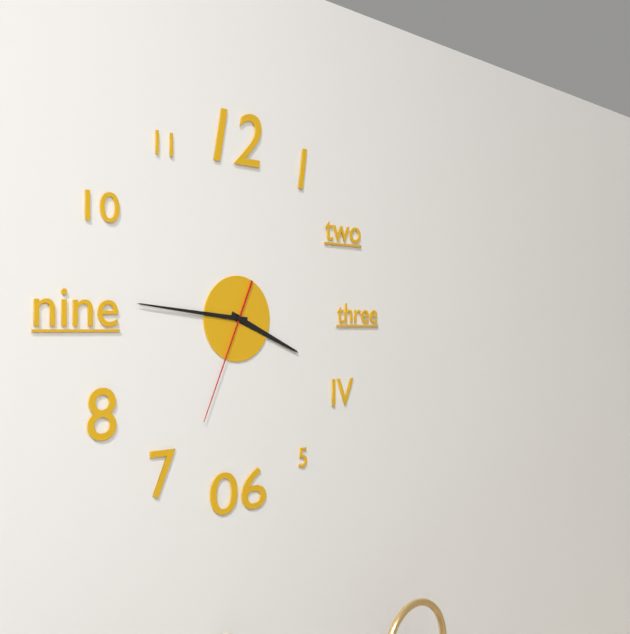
3:46:34
